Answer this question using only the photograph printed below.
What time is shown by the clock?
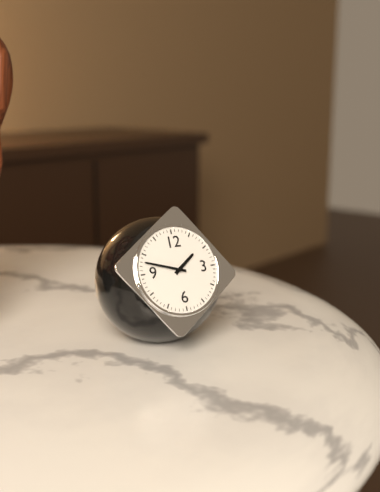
1:48
